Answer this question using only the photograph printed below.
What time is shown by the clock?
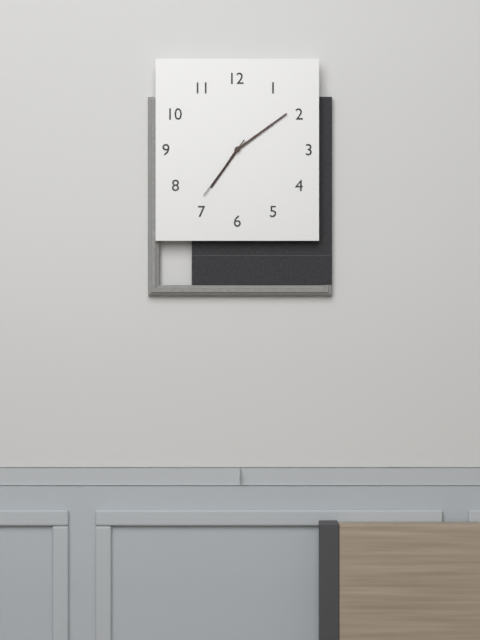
7:09:36
